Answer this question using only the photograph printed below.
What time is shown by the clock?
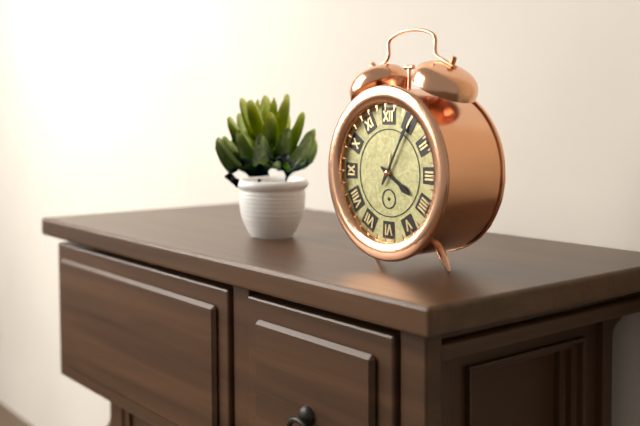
4:05
